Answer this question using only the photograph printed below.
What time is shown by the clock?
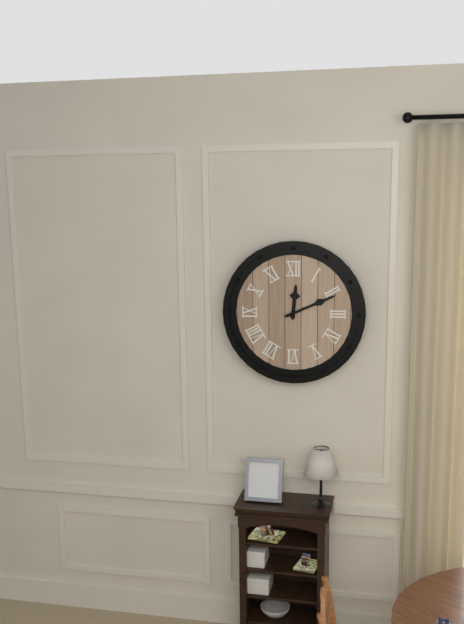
12:11
